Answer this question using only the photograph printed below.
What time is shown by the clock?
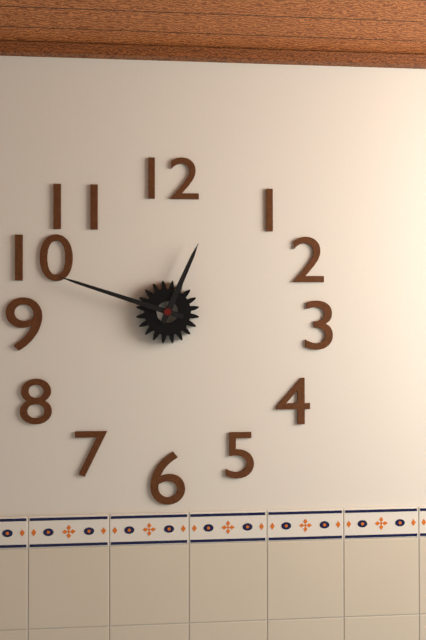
12:48
